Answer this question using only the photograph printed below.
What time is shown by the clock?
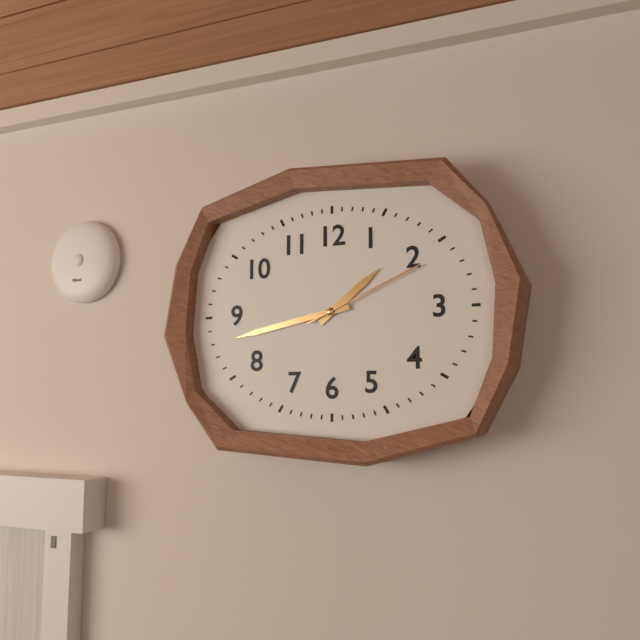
1:43:11
